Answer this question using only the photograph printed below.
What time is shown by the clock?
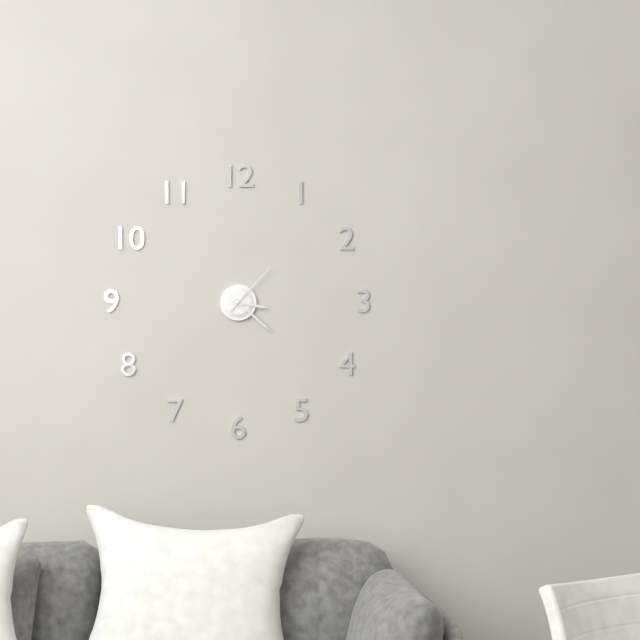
3:22:07
